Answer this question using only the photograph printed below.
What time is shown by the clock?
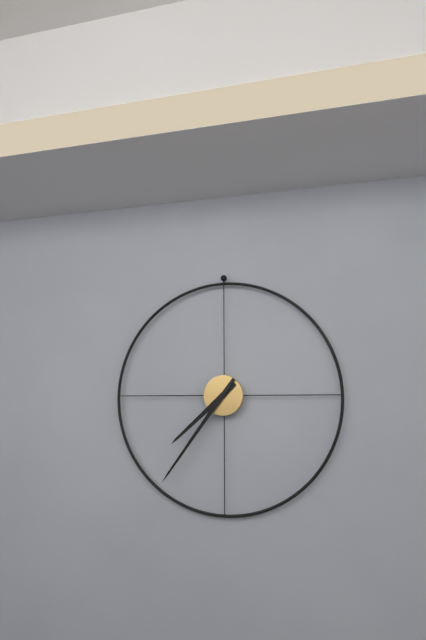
7:36
